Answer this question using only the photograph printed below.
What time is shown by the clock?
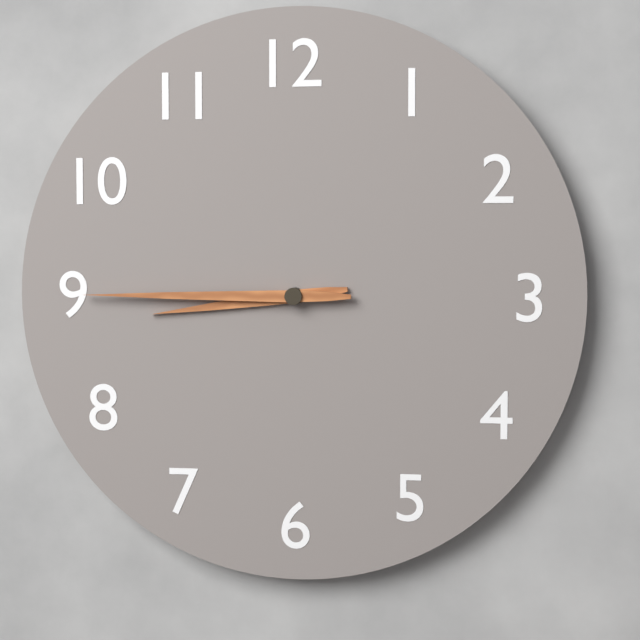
8:45
